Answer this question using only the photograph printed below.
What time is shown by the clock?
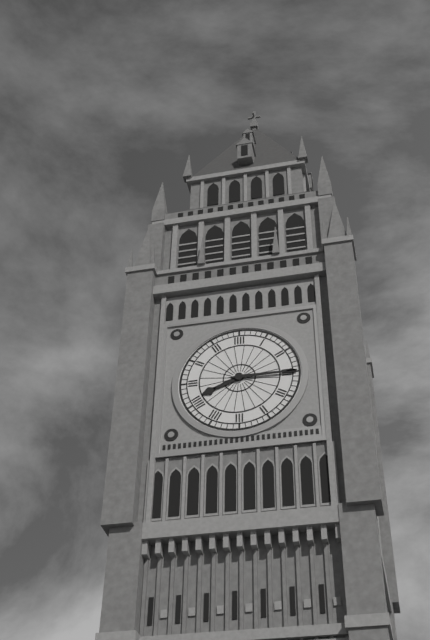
8:15
